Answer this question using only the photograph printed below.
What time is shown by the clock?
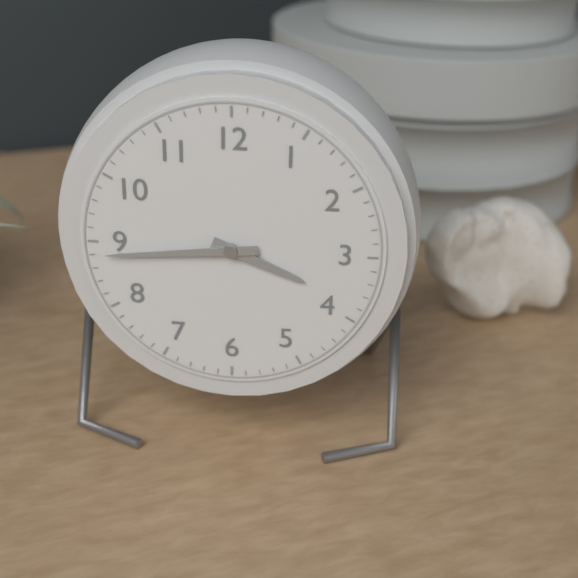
3:44
